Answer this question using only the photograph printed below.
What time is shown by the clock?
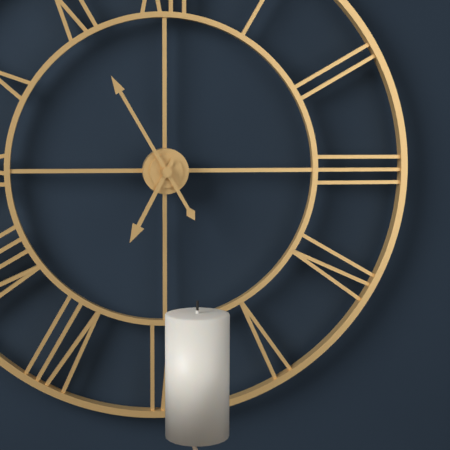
6:55
